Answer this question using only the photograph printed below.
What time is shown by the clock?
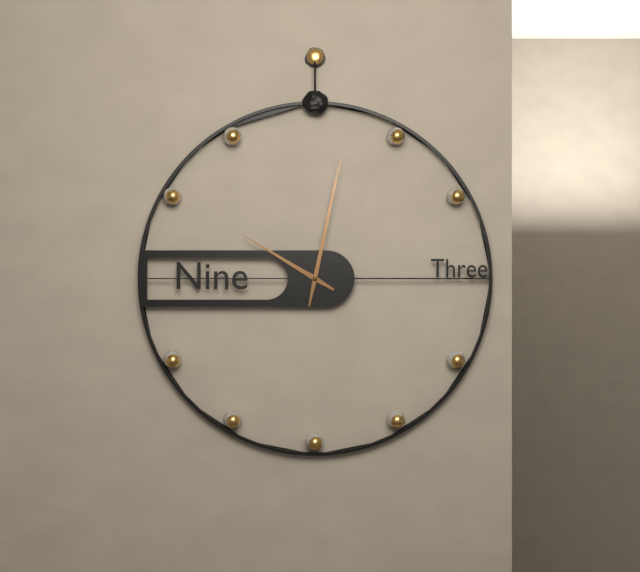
10:02
